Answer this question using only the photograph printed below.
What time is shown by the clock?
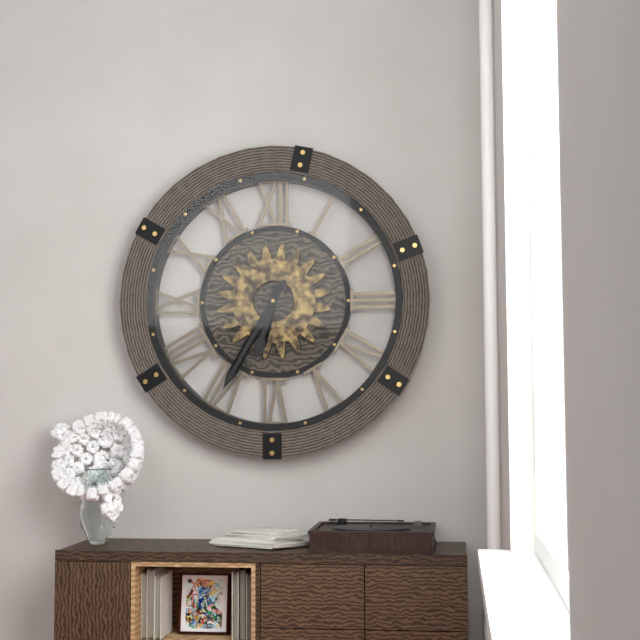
6:35
